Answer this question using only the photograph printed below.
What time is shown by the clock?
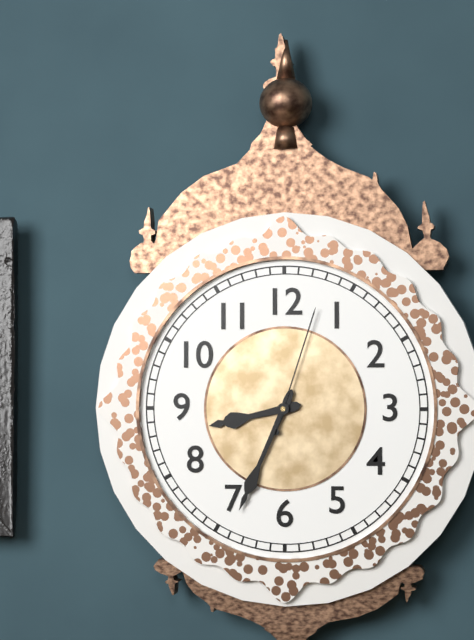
8:34:03
